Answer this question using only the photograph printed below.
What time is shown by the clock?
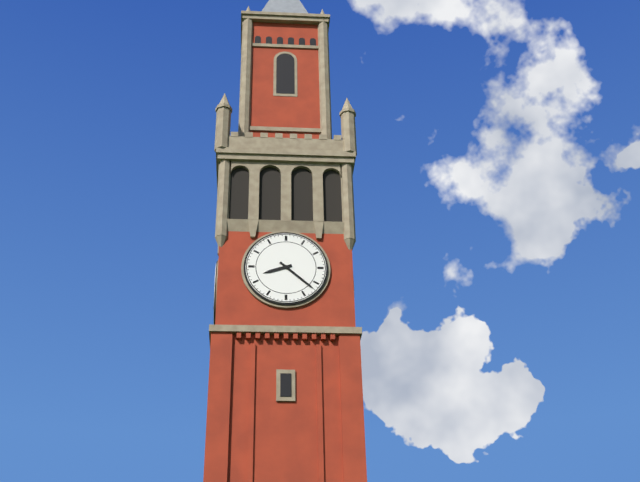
8:22
